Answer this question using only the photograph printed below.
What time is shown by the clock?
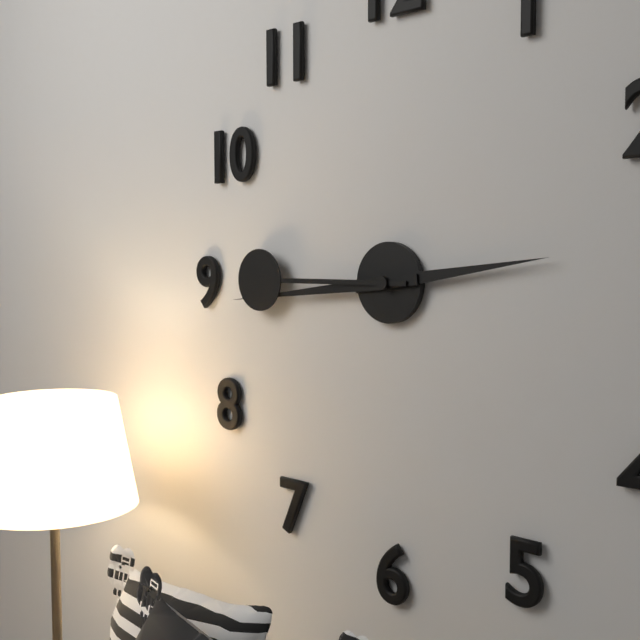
2:44:45
